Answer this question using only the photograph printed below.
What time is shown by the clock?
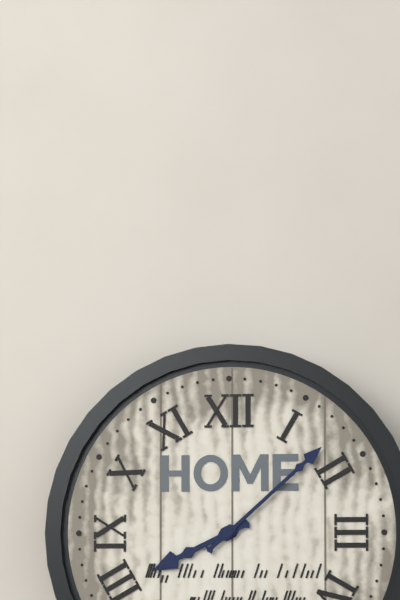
8:08
